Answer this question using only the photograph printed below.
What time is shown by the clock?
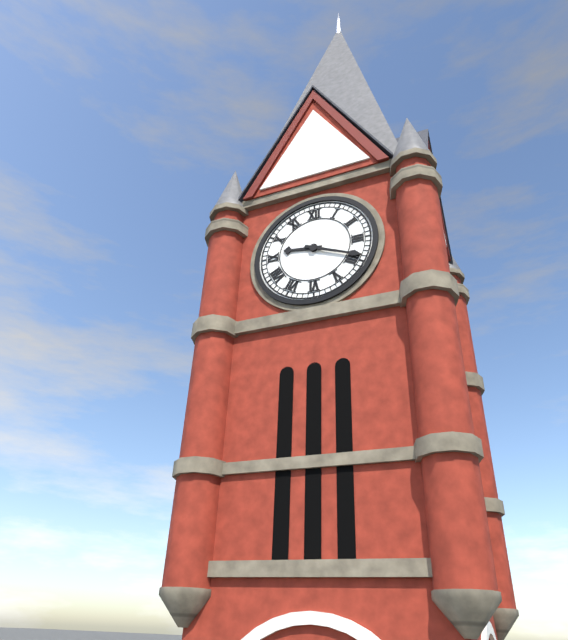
9:19
